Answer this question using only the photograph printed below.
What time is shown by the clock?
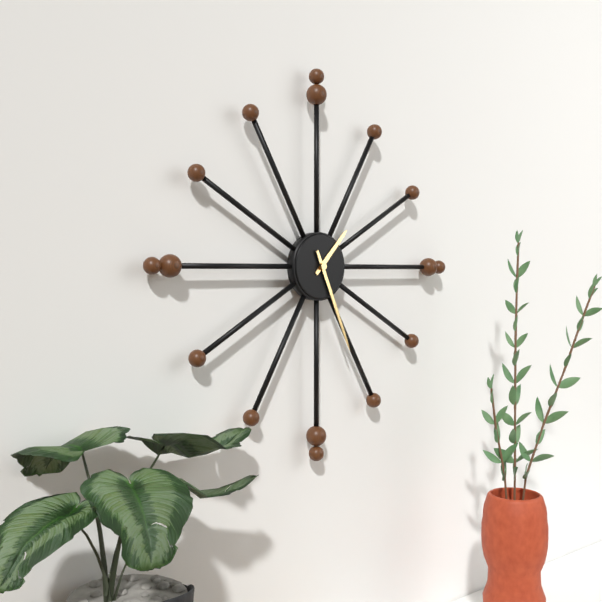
1:26
